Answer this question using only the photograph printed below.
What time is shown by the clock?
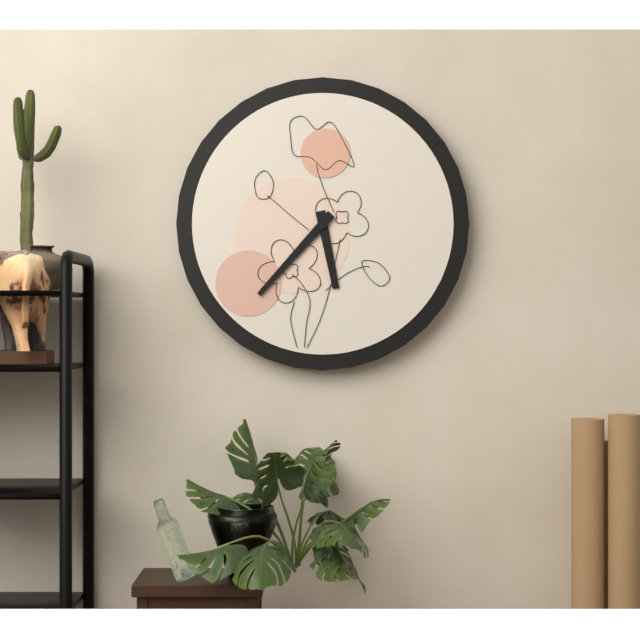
5:37
